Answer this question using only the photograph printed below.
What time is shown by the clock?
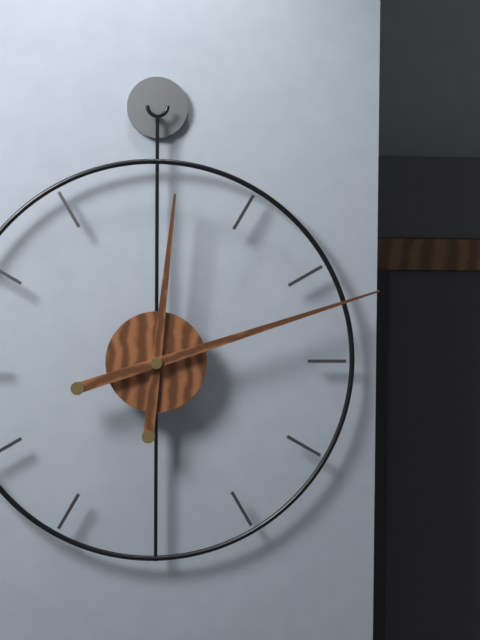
12:12
